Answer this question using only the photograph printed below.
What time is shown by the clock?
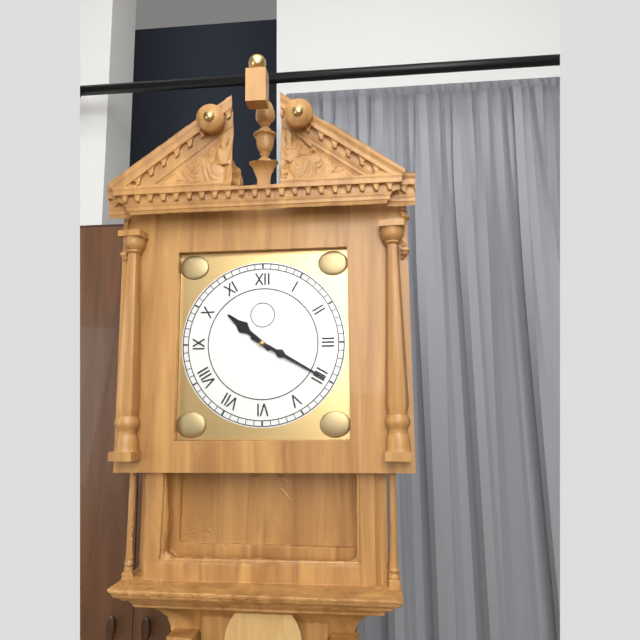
10:20
